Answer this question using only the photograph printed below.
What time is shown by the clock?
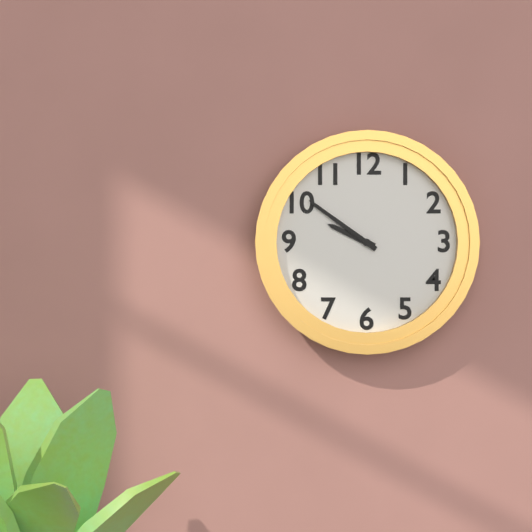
9:51
